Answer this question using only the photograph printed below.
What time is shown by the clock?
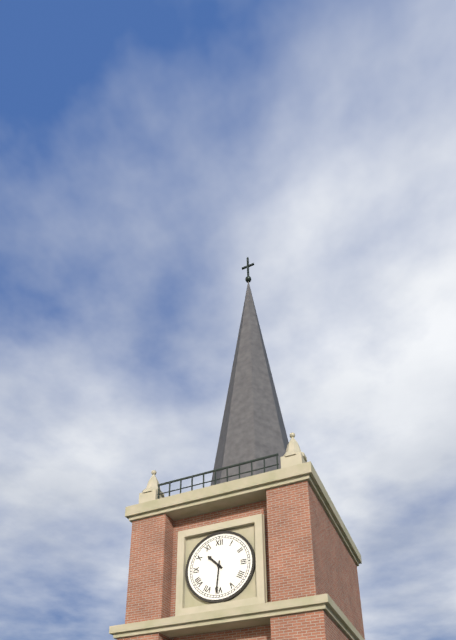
10:31
